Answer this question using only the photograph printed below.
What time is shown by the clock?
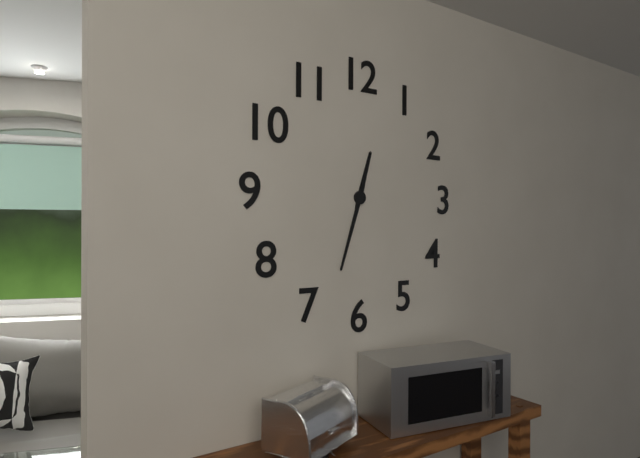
12:33
